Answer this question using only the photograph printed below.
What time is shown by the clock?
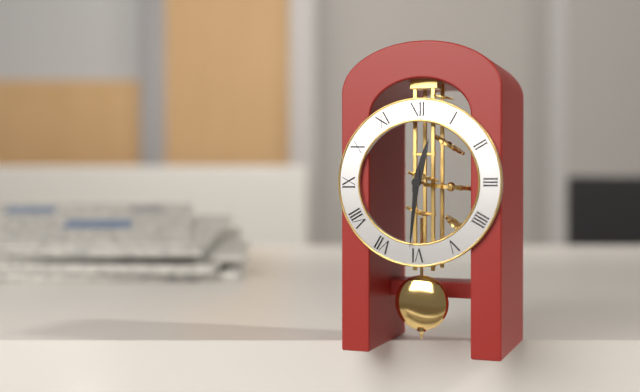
12:31
